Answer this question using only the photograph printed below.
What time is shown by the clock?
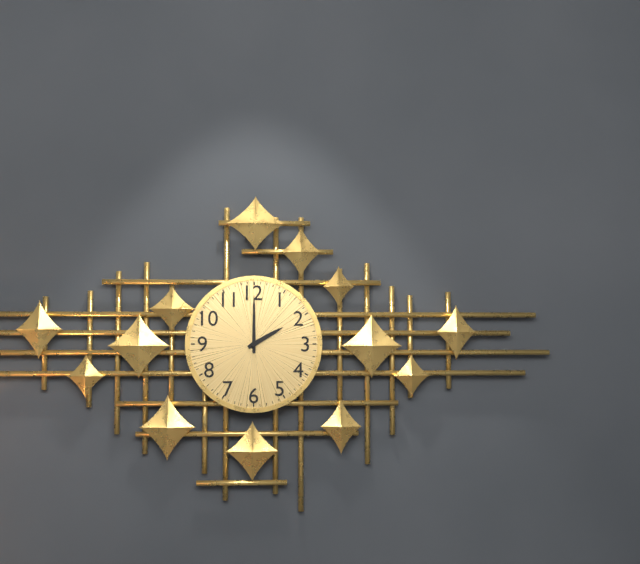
2:00
